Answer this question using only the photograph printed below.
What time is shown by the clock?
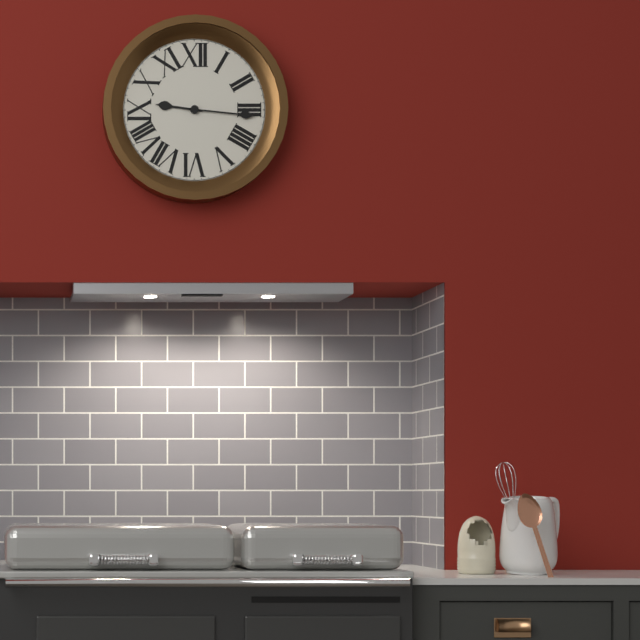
9:16
